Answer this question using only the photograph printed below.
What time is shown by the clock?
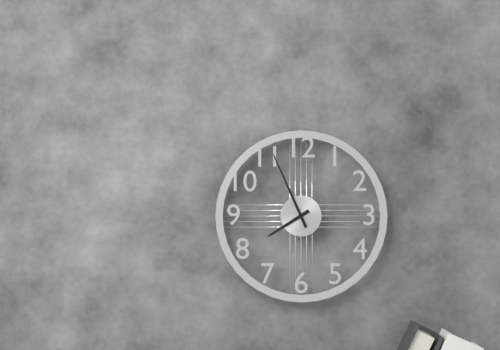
7:56
